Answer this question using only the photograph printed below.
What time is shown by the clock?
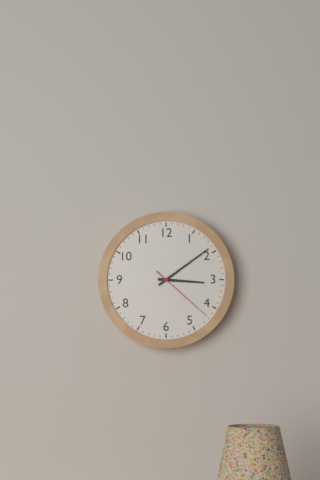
3:09:22
